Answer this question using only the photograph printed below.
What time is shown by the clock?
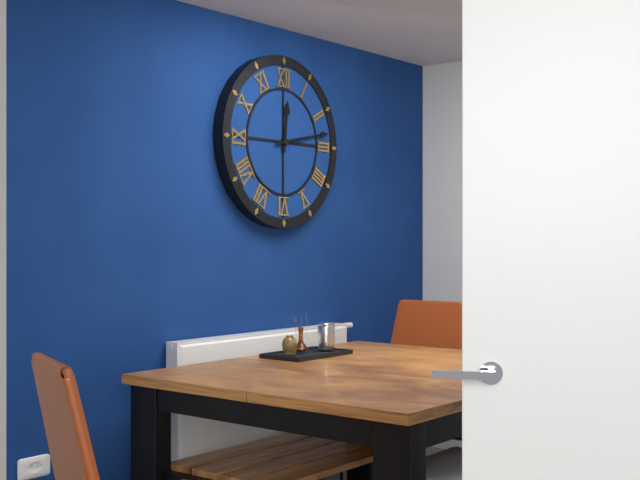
12:13
